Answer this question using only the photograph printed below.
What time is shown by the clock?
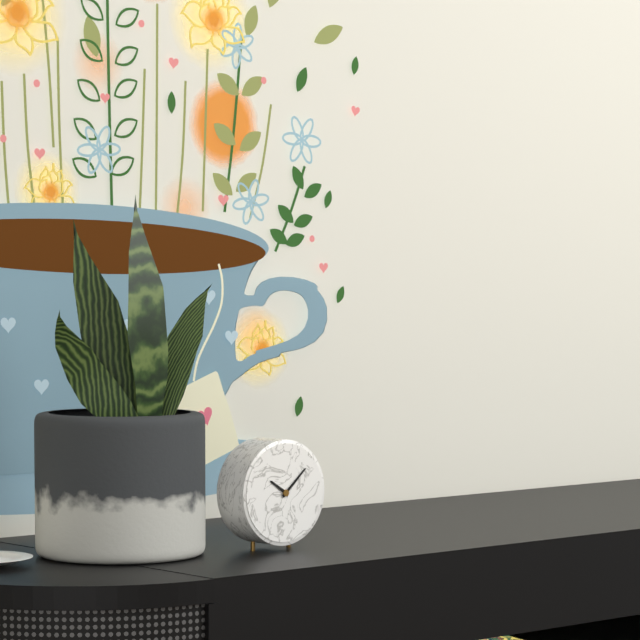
10:08
